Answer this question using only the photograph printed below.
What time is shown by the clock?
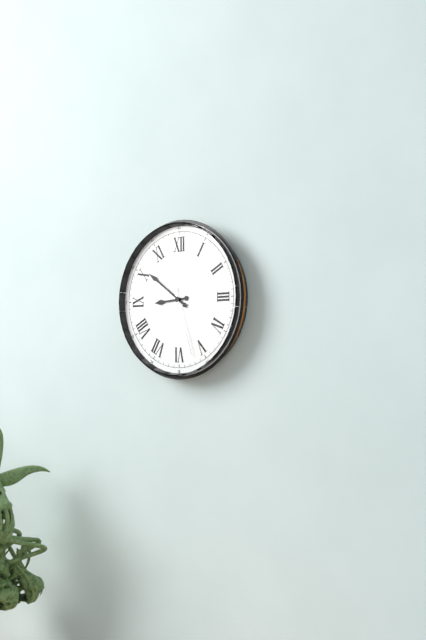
8:51:27
